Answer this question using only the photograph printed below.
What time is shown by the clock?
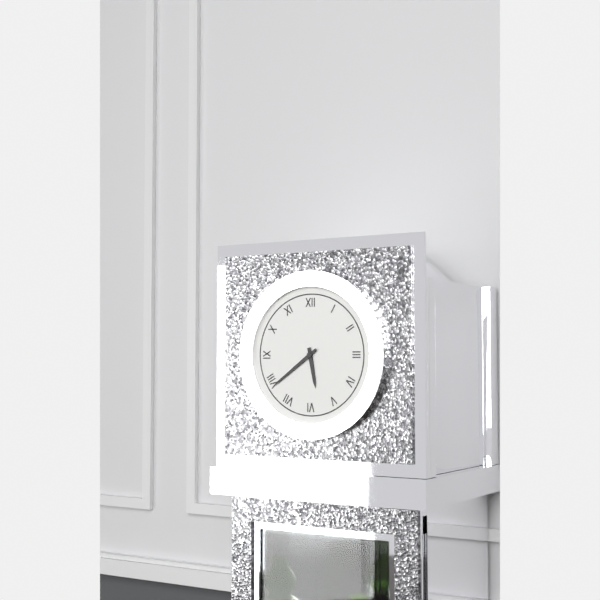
5:39
